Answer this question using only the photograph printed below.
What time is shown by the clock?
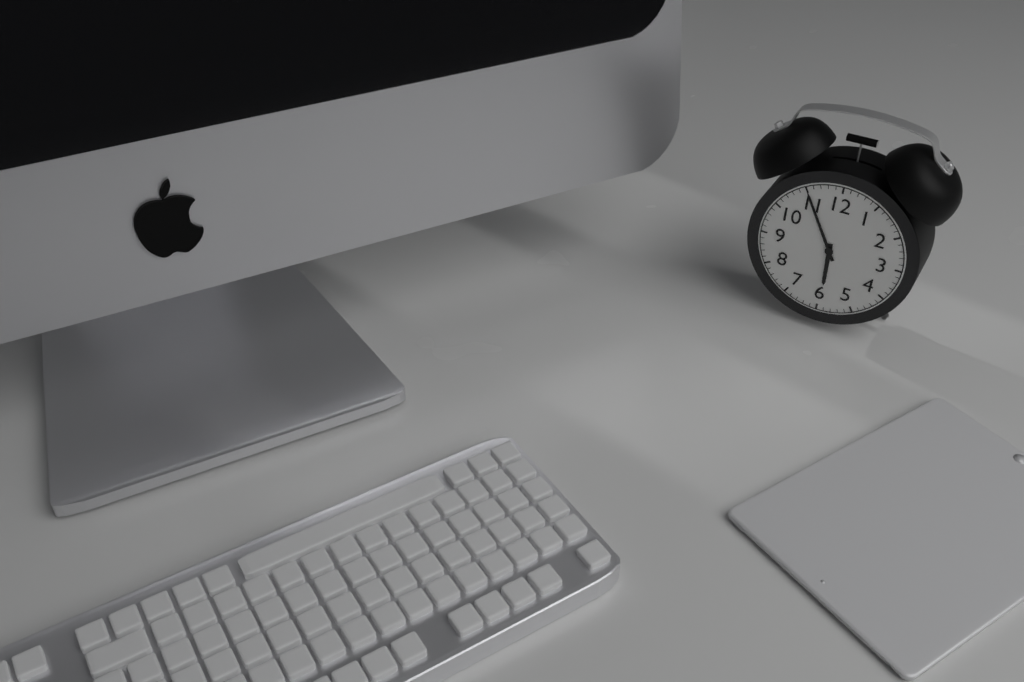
5:55
